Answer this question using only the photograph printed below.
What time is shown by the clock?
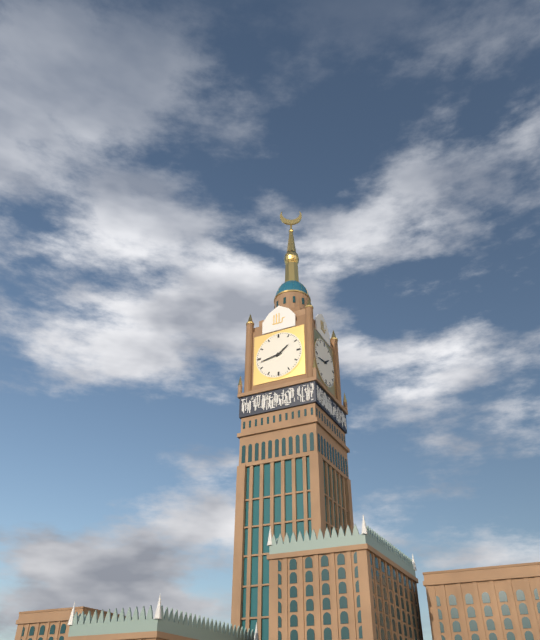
1:43
